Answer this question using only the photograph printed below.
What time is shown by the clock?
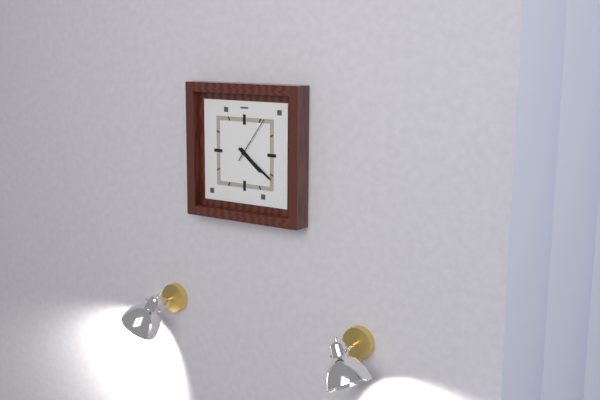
4:21
